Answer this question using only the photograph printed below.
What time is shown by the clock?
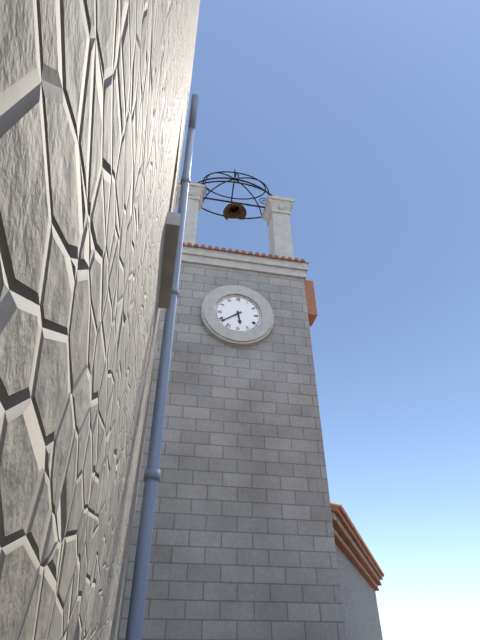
5:39
